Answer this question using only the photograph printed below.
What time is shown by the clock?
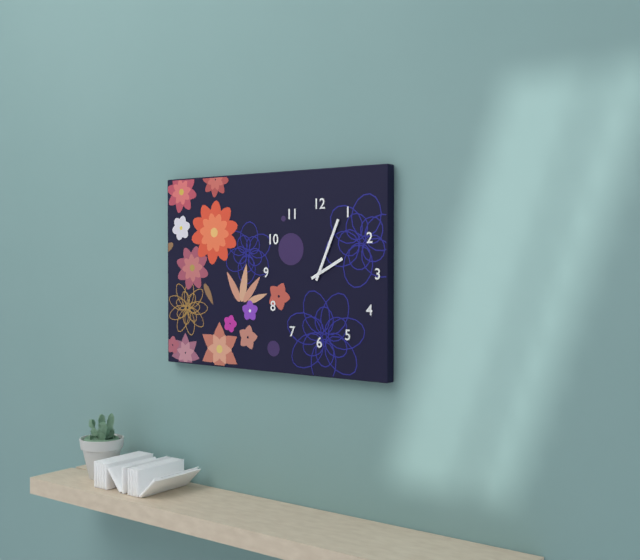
2:04
